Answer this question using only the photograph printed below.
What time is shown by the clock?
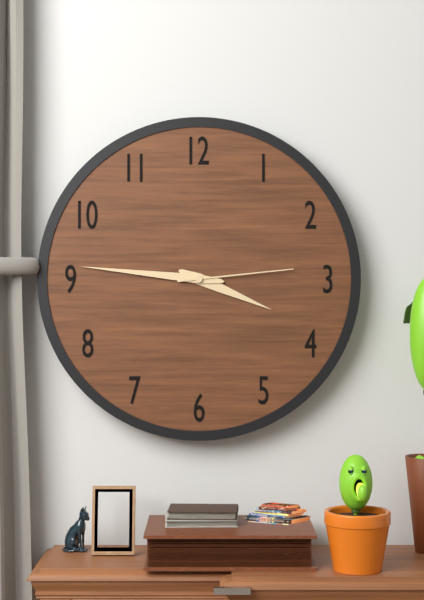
3:46:14
